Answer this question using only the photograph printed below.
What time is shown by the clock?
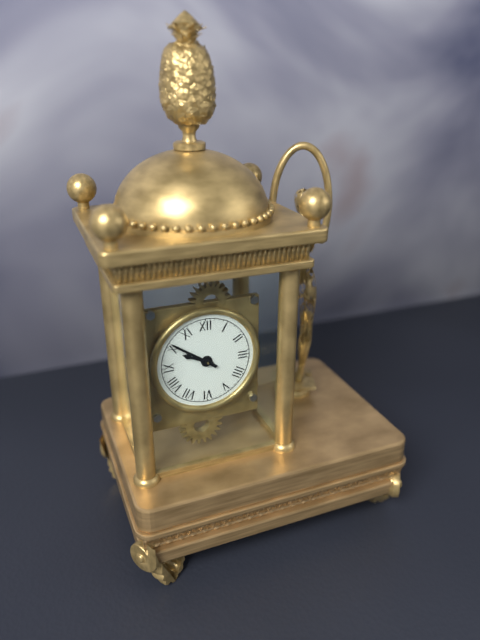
9:51
